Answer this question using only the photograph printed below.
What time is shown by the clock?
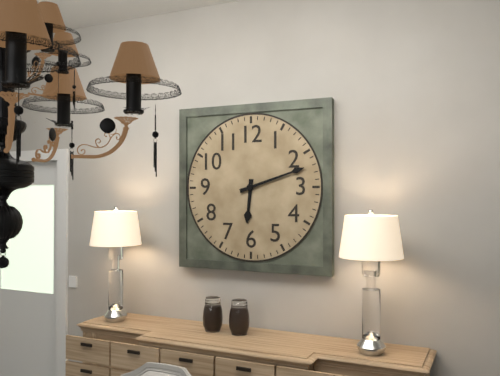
6:12
